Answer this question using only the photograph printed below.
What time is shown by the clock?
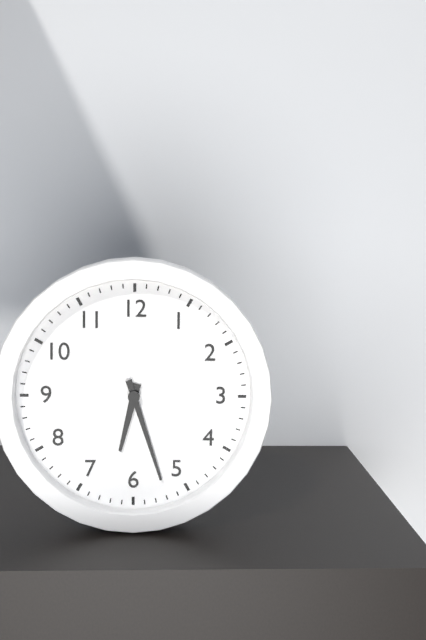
6:27
